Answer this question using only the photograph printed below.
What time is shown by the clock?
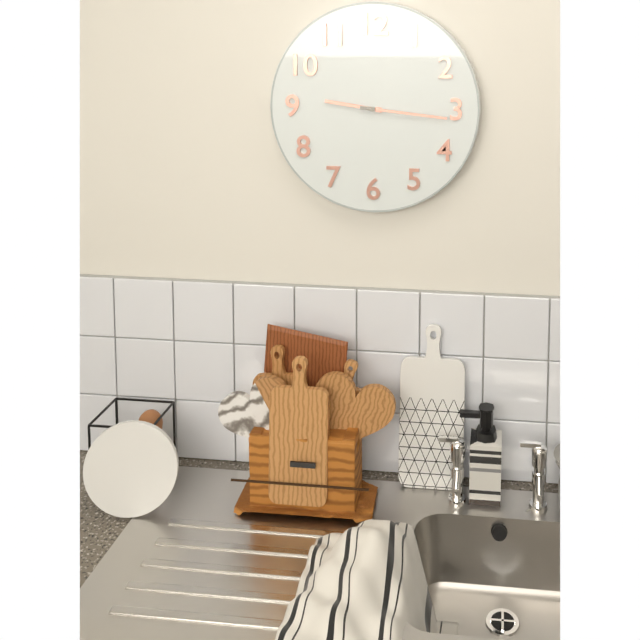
9:16
